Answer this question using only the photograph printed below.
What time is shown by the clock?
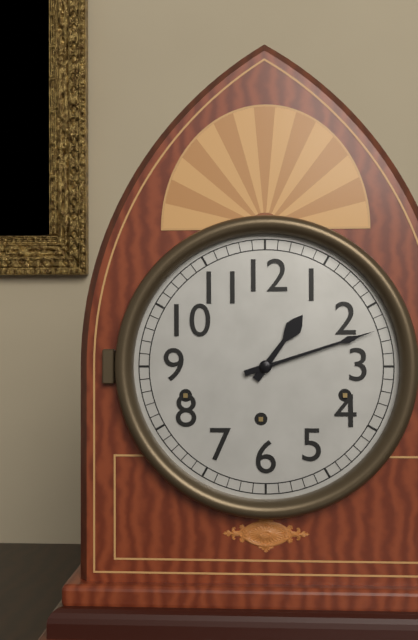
1:12
